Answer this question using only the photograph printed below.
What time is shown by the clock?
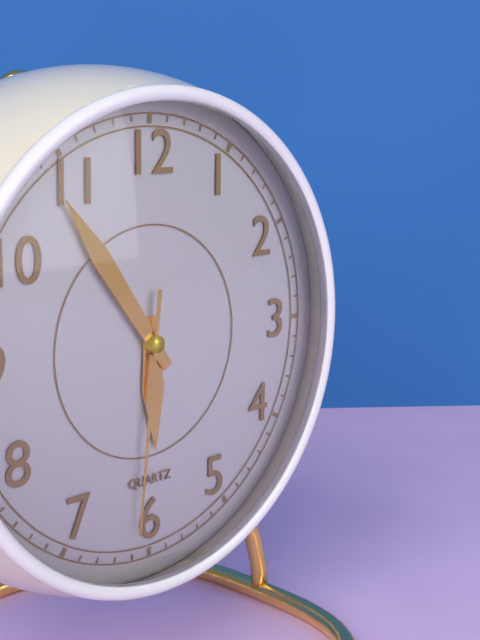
5:54:31
